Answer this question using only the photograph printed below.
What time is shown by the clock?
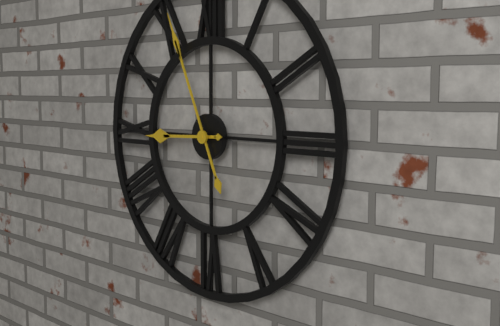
8:56
